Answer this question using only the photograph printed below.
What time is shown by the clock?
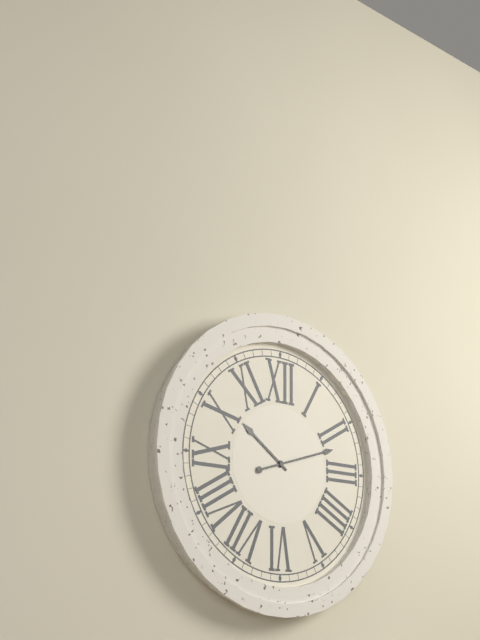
10:12
